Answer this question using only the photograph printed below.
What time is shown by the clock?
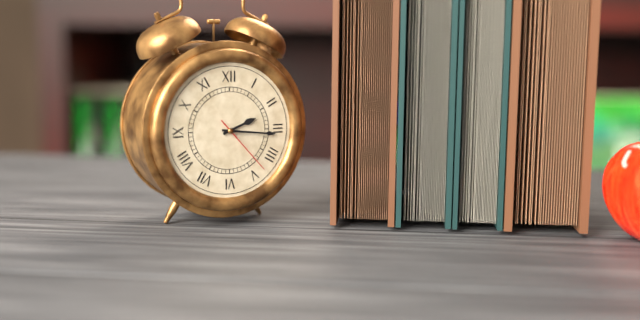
2:16:23
